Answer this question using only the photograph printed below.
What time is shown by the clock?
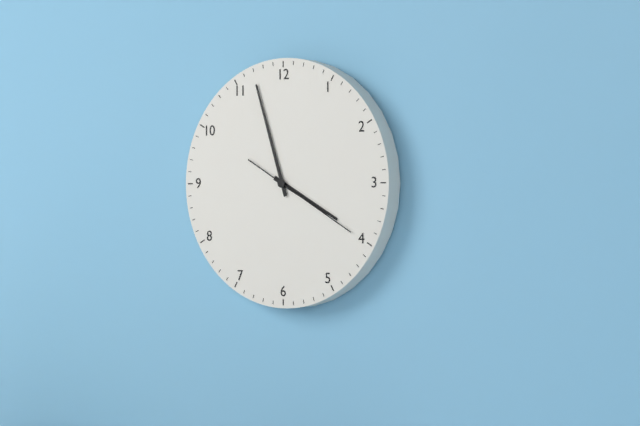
3:57:20
